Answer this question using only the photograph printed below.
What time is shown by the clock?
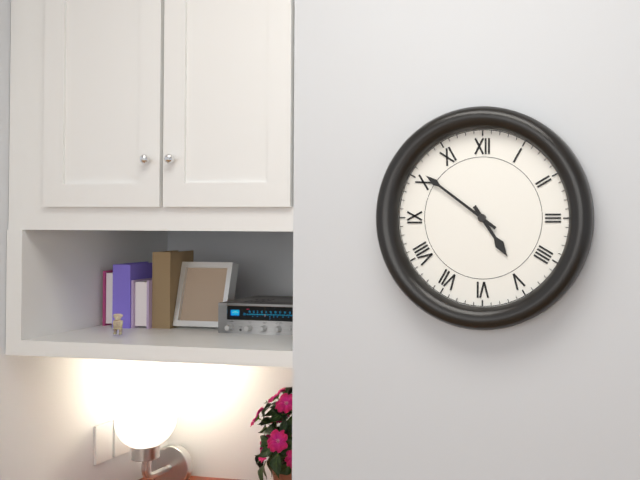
4:51
